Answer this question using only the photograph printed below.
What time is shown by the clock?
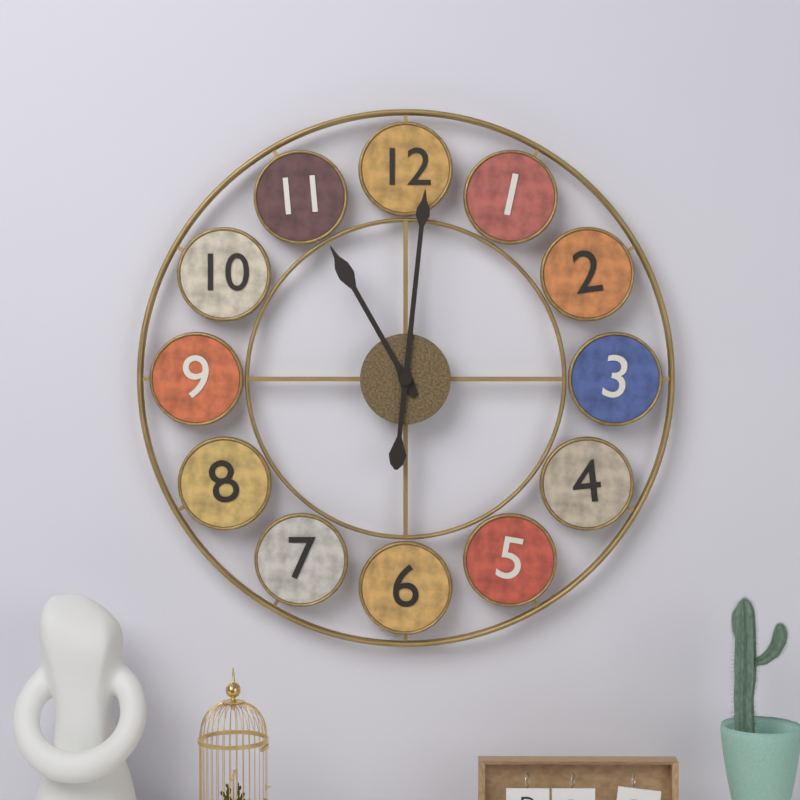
11:01
